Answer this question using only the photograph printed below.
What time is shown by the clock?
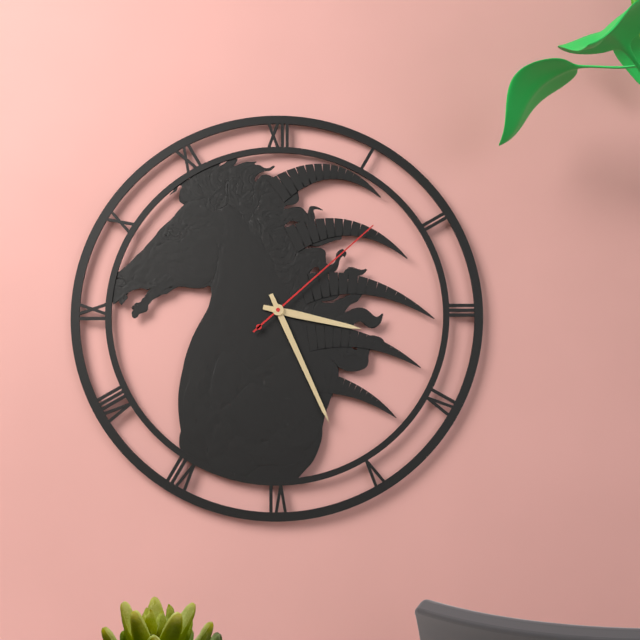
3:26:08
